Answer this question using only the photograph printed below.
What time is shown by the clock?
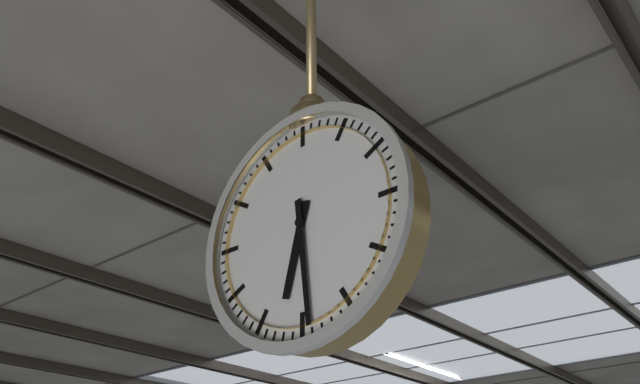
6:29
